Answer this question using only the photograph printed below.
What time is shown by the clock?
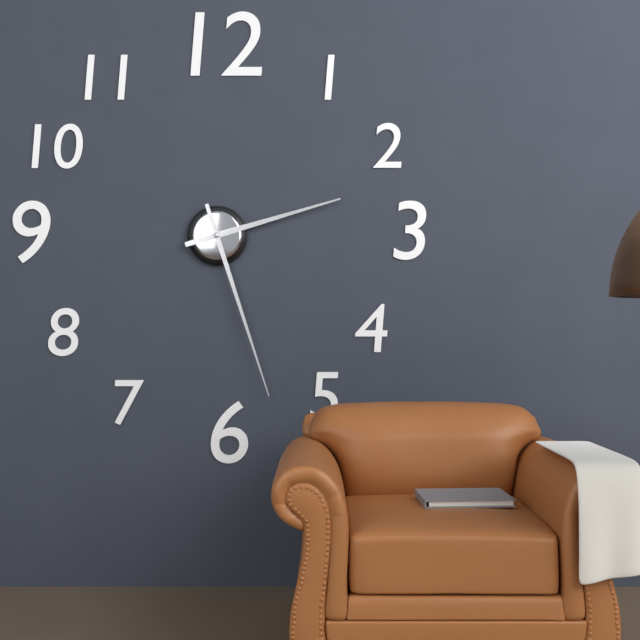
2:27
